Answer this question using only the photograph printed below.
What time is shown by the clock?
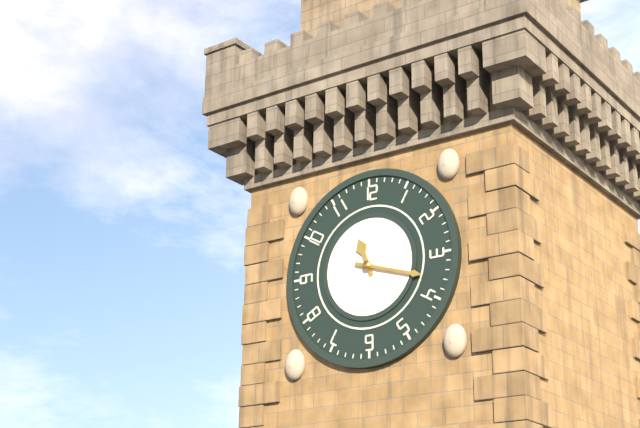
11:18
